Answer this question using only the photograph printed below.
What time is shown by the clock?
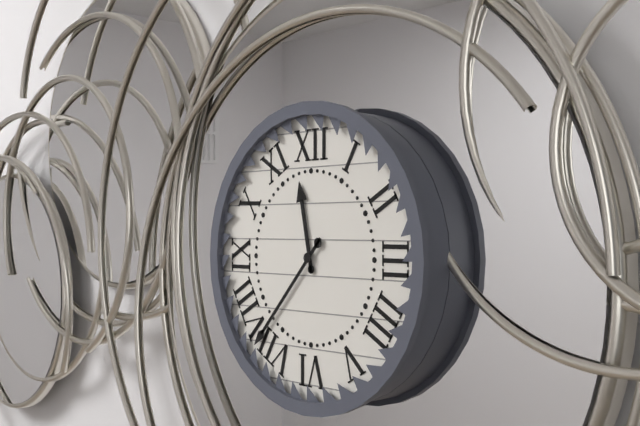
11:37
